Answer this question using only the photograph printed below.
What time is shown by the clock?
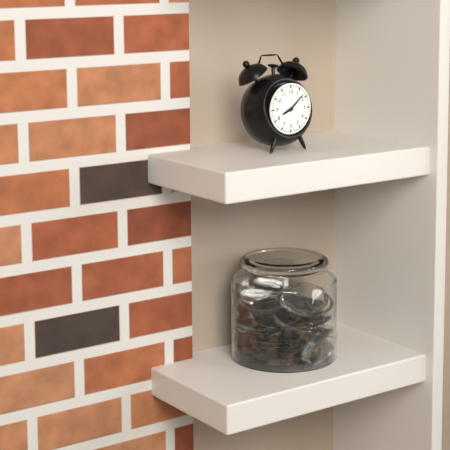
8:08
